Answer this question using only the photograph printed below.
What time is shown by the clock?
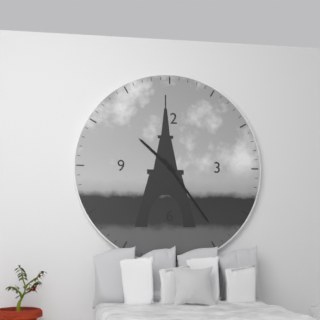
10:24
